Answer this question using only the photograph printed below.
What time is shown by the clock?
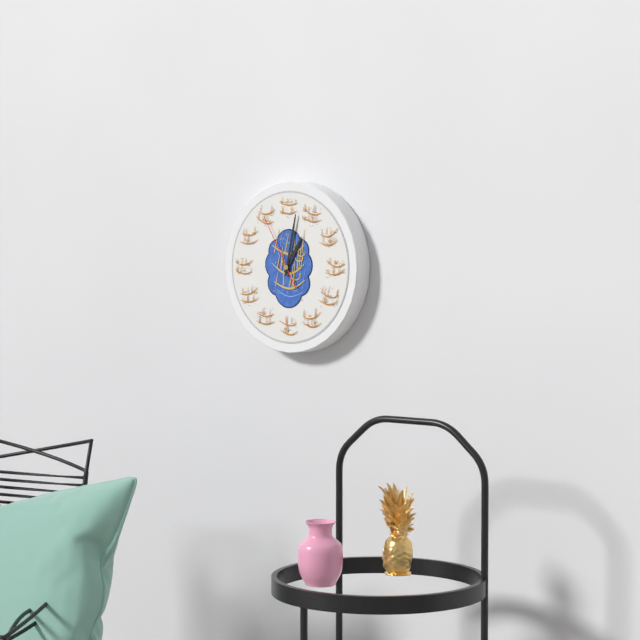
1:02:55
